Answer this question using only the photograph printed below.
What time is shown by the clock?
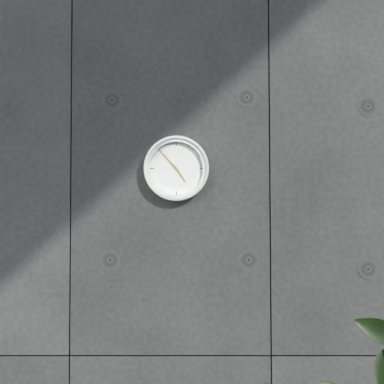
4:53
